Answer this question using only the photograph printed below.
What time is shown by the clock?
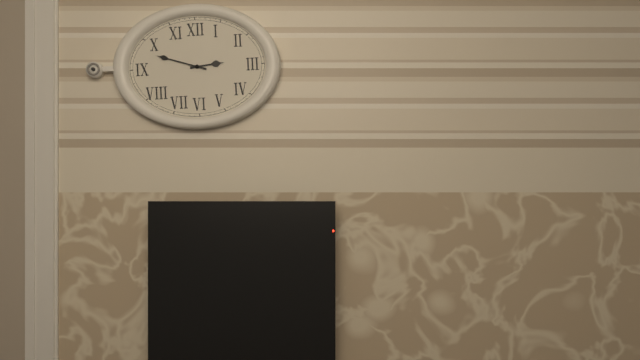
2:48
